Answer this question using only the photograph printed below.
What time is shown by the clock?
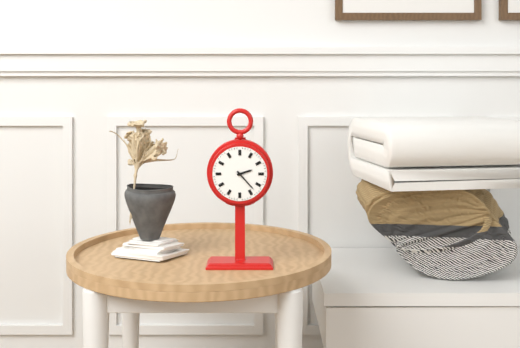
2:23
